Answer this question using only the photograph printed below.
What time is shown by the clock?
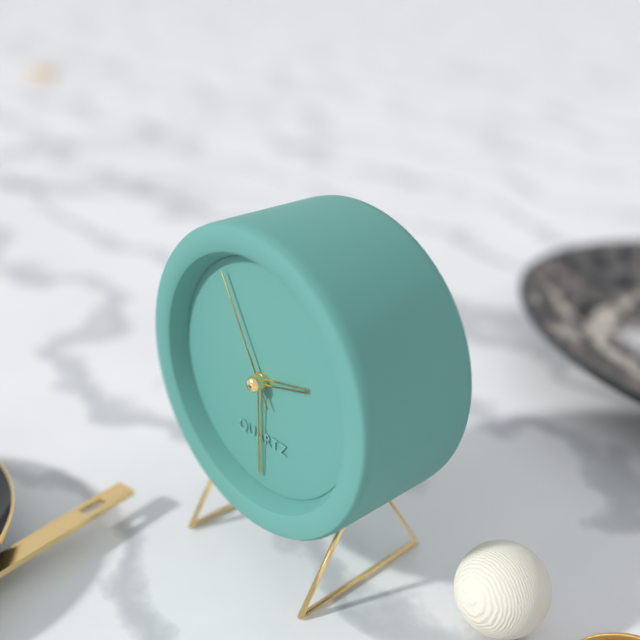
2:30:55
